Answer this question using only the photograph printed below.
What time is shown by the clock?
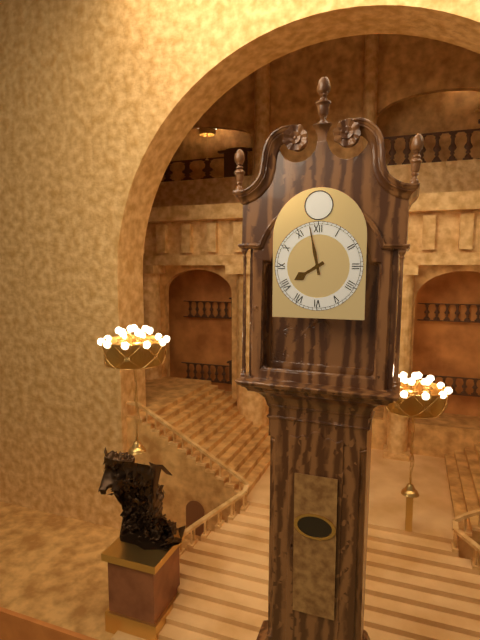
7:58
